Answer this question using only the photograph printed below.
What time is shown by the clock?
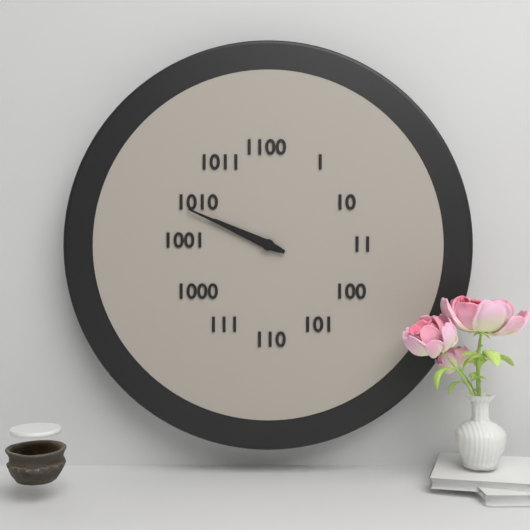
9:49
